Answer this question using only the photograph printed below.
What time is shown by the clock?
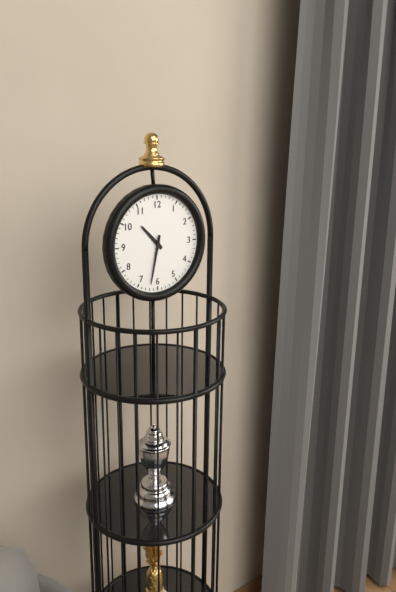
10:32
